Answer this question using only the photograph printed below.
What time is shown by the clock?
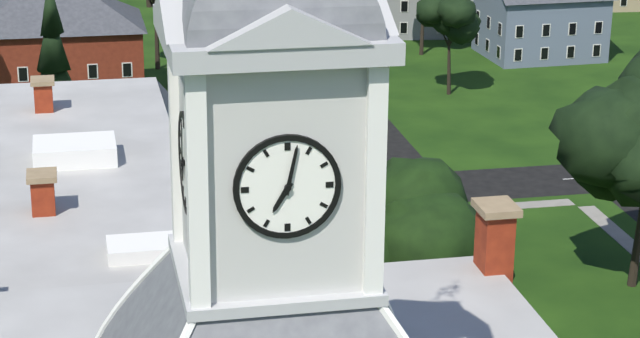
7:02
